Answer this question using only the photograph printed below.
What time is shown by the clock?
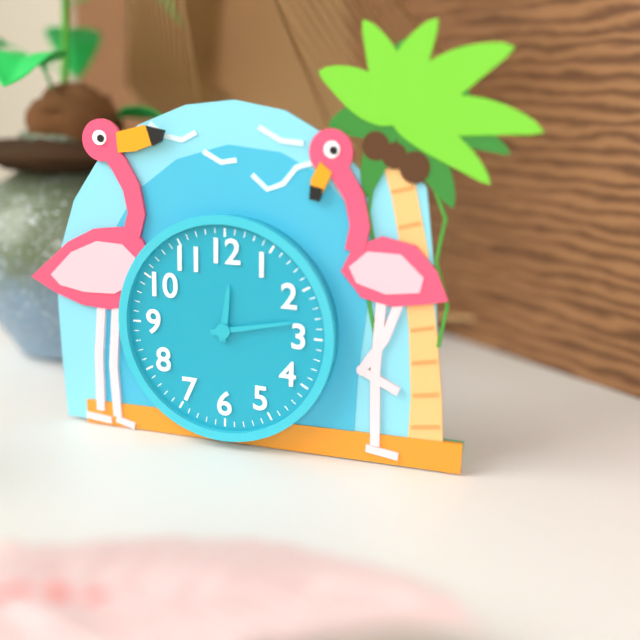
12:13
